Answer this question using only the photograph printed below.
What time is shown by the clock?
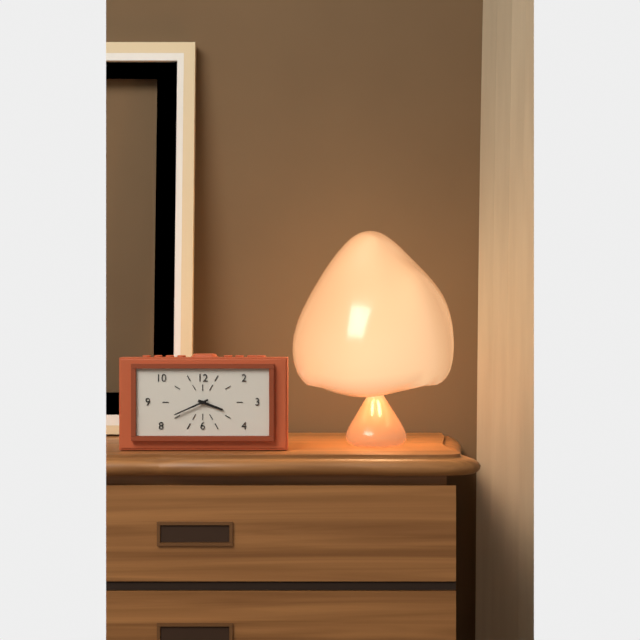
3:41
